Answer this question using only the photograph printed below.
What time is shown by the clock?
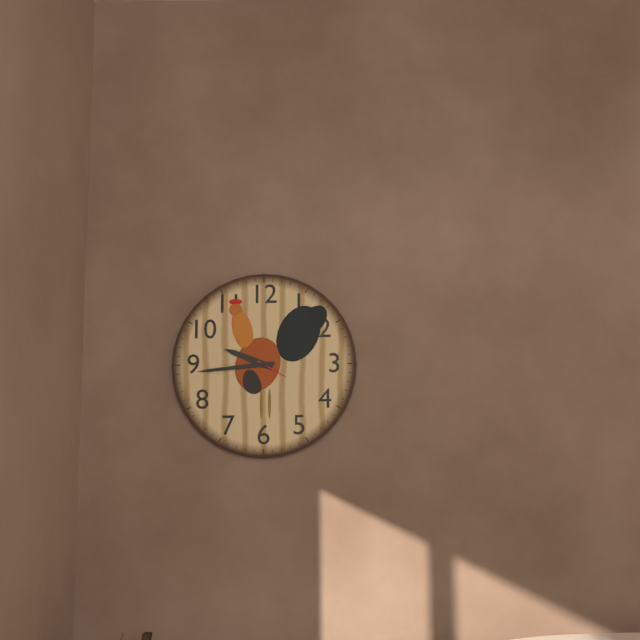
9:44
